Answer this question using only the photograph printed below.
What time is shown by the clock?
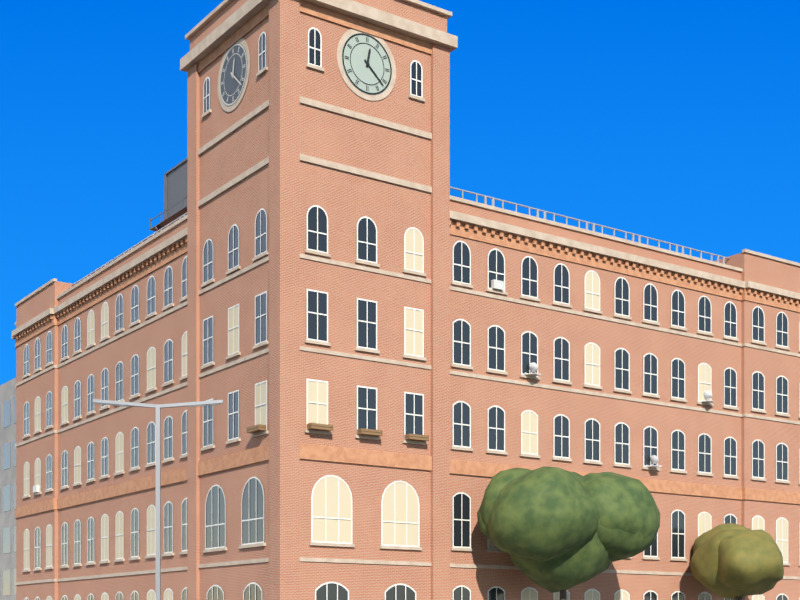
12:22
